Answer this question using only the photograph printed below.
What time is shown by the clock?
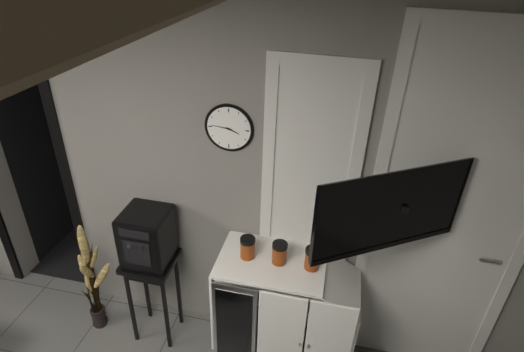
3:46
